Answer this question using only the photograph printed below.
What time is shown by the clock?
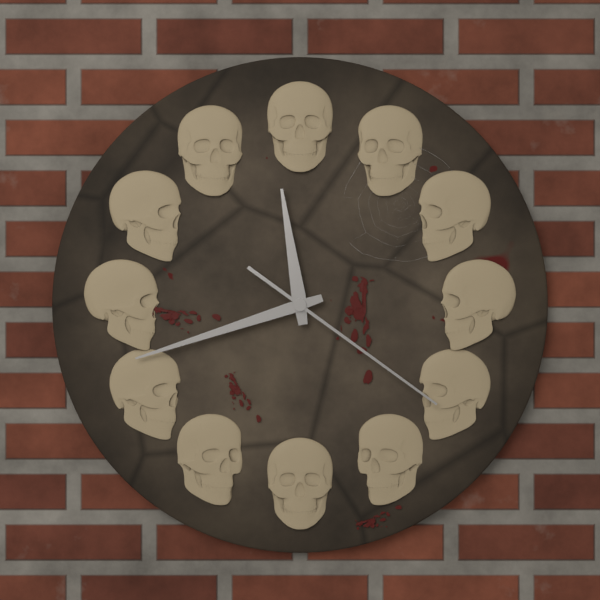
11:42:21
